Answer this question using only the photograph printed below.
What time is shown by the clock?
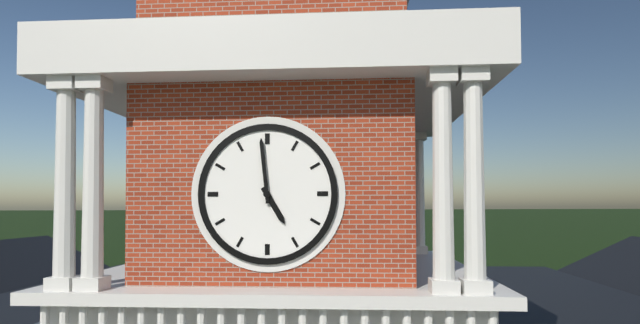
4:59
